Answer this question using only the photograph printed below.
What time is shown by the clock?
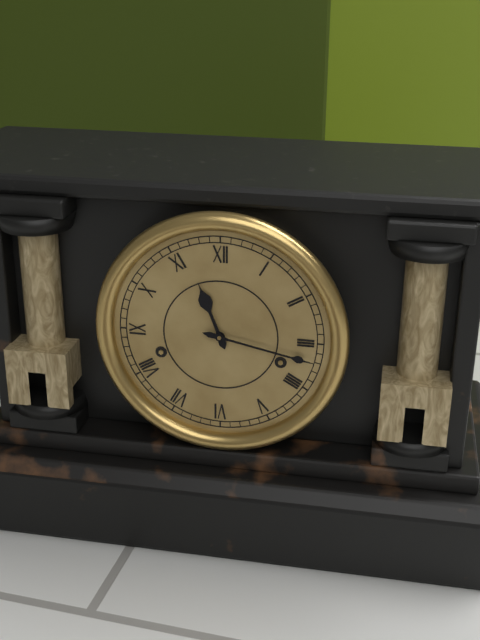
11:17
